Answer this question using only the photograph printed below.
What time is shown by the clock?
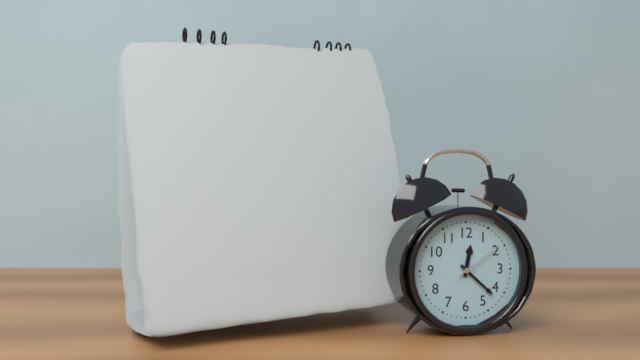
12:22:09
